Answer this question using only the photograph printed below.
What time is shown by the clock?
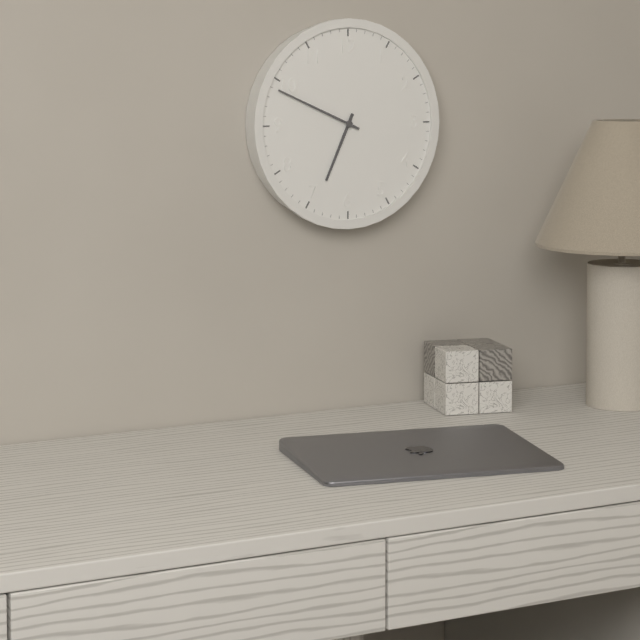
6:49
